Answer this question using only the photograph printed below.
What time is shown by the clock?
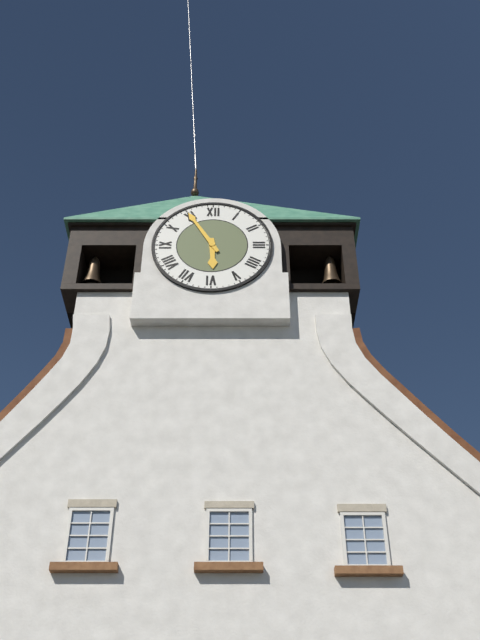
5:55
